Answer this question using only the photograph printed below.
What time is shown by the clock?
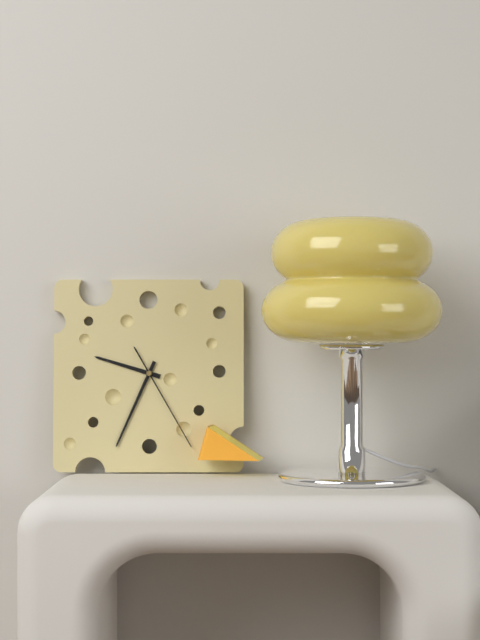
9:34:25
